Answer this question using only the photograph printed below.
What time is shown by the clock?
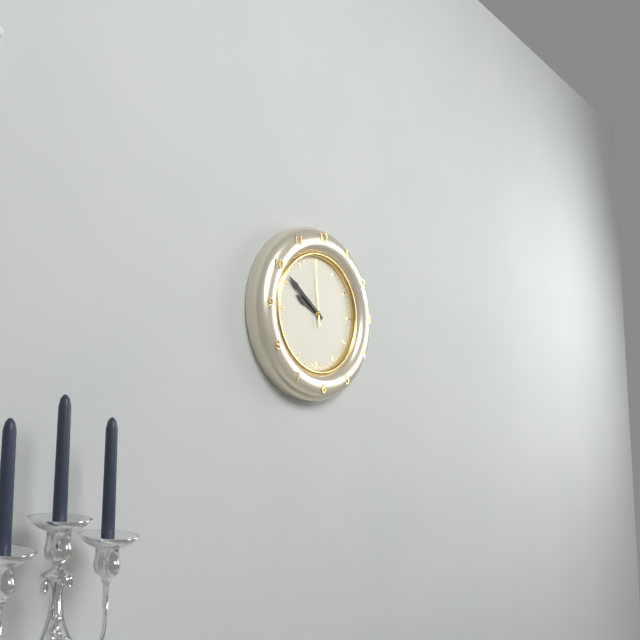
9:51:59
